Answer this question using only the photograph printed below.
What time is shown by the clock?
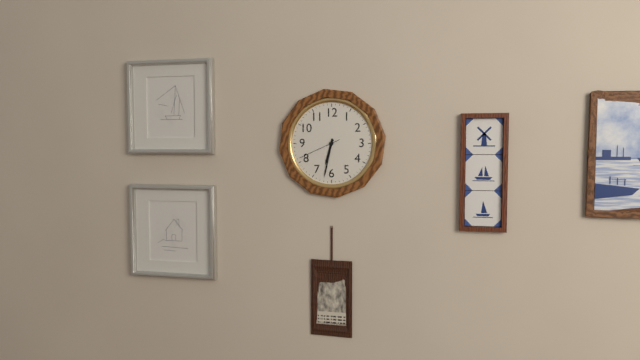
6:32
